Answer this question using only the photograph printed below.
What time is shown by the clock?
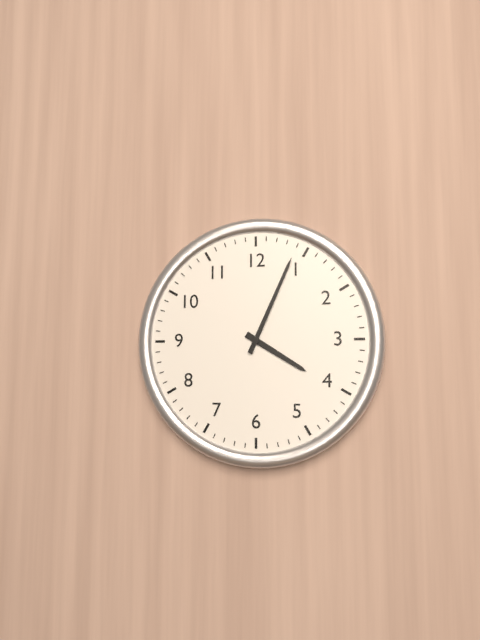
4:04
